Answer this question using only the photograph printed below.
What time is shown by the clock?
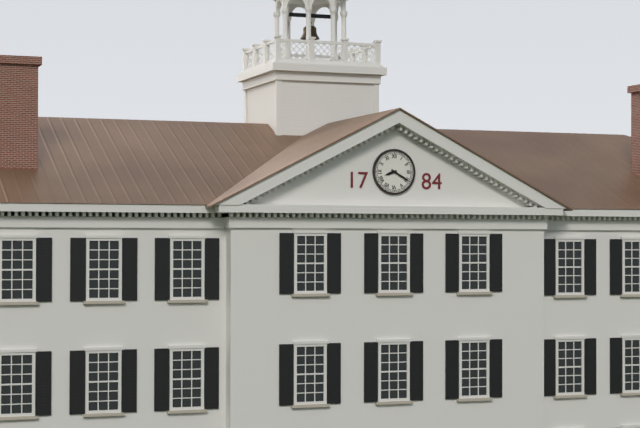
8:20
